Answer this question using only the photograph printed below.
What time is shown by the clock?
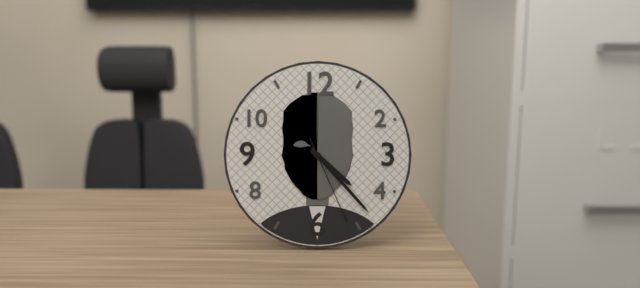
4:23:26
